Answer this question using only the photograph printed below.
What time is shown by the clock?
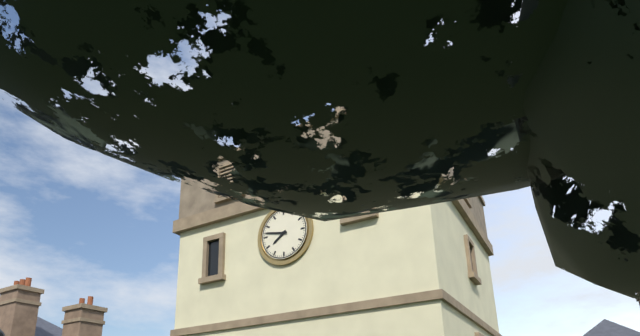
7:47
